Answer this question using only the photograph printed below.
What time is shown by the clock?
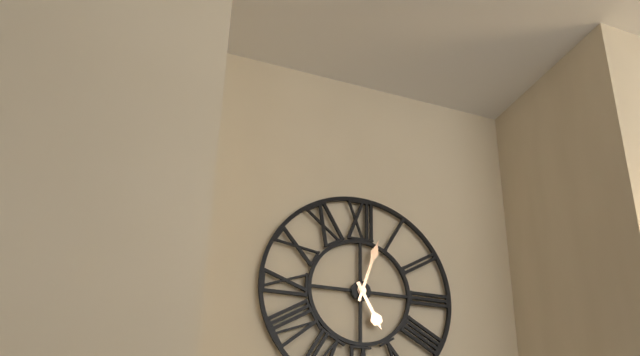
5:03
